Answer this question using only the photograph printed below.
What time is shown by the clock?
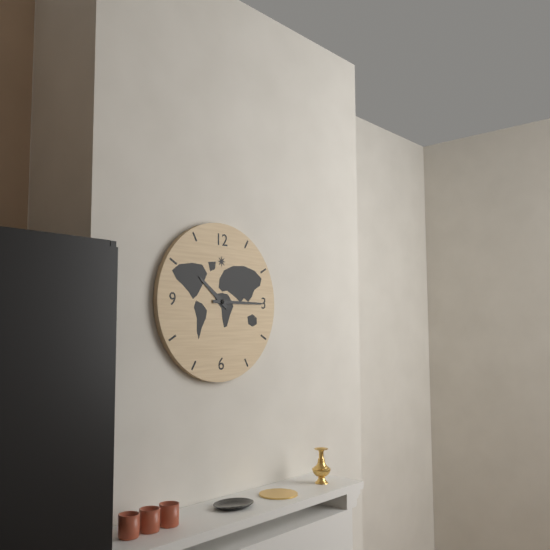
10:15
